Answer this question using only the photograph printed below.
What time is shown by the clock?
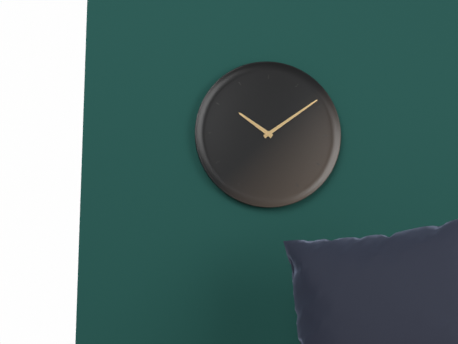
10:09
